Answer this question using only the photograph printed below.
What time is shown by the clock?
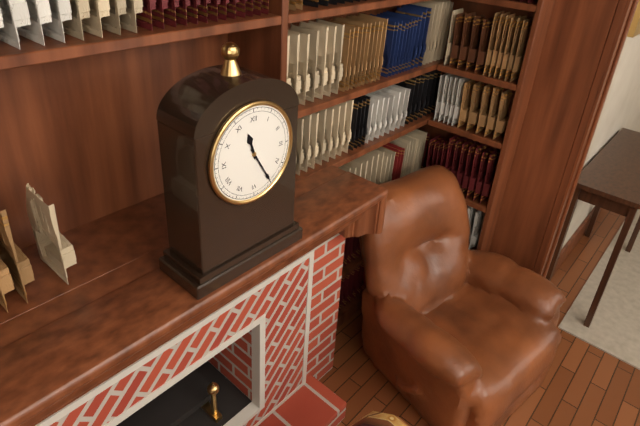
11:25
